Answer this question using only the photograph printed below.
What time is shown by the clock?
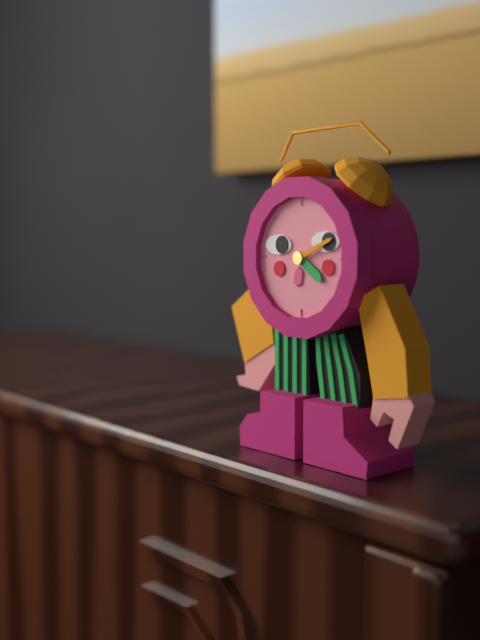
4:11
